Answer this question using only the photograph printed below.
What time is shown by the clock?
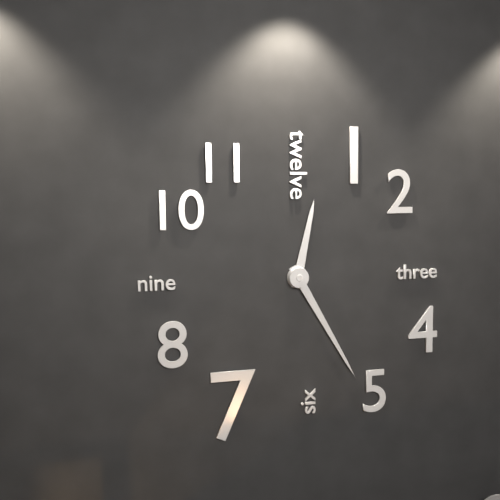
12:25
